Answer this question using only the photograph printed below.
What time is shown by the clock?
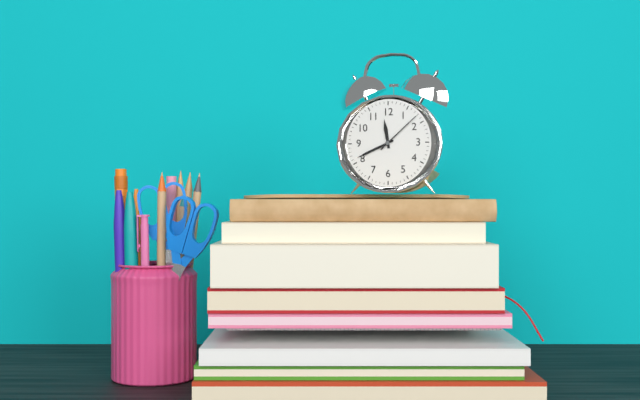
11:41
